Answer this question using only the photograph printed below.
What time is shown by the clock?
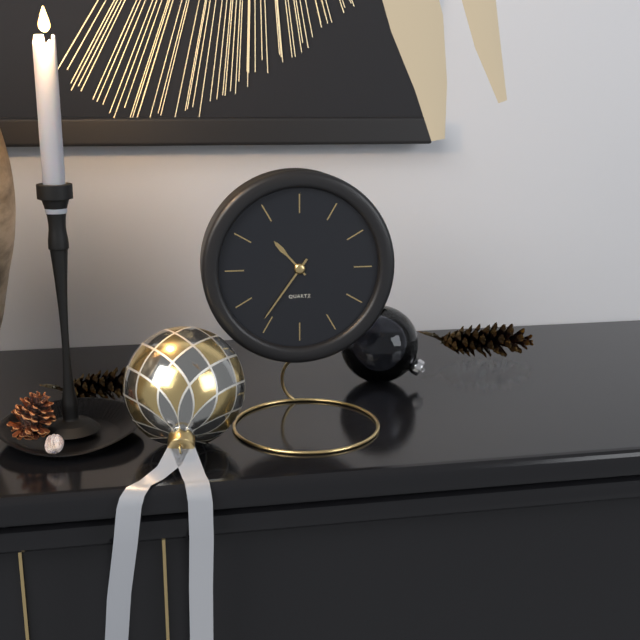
10:36
